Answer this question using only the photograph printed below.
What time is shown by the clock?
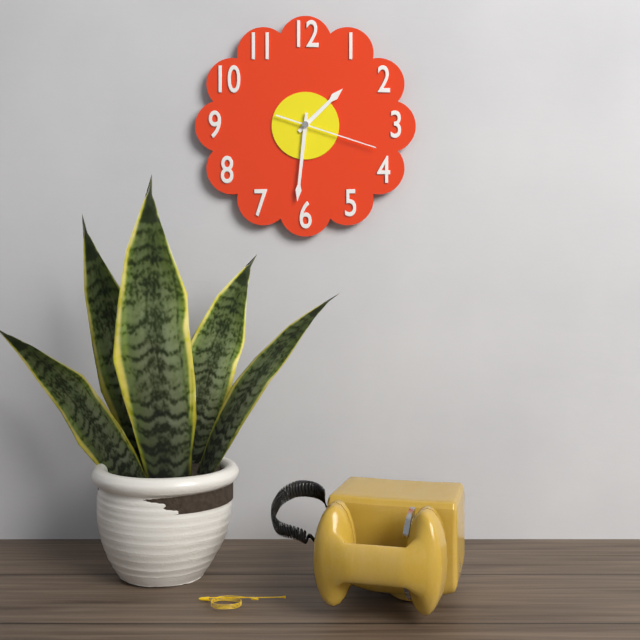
1:31:18
